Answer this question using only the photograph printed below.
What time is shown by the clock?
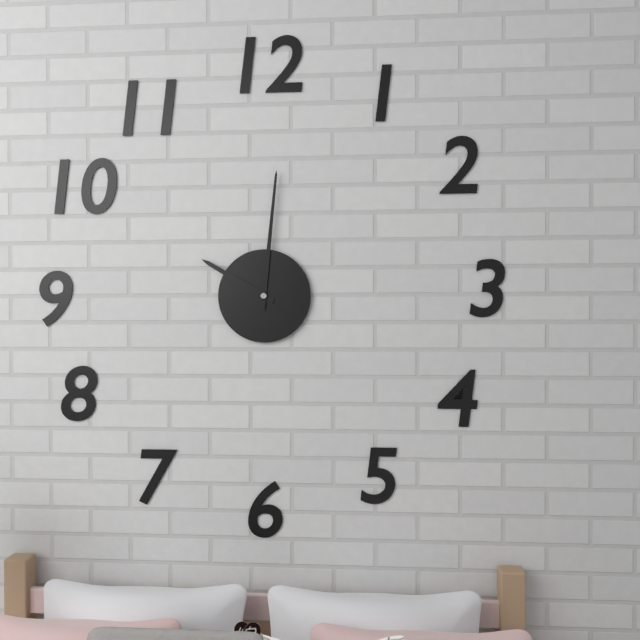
10:01
